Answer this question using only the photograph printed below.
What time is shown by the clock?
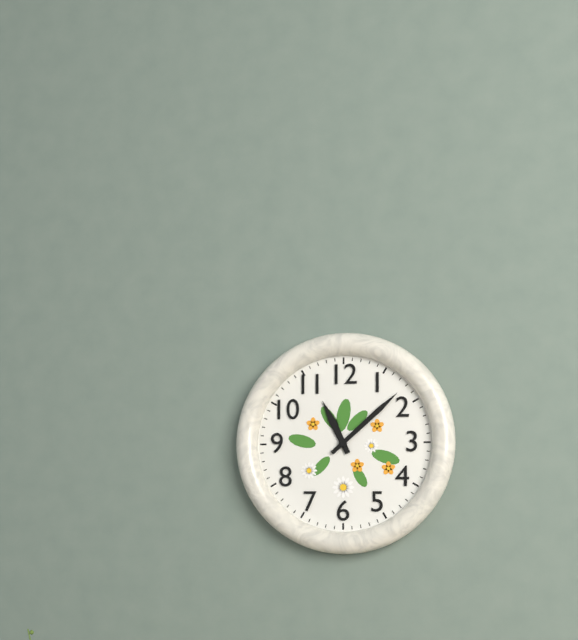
11:08
